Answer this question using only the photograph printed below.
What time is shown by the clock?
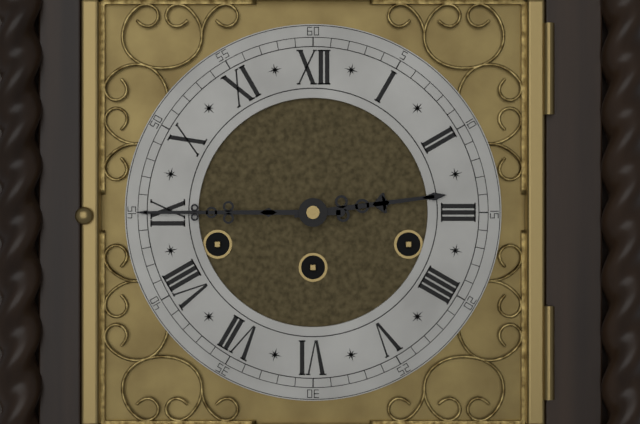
2:45
